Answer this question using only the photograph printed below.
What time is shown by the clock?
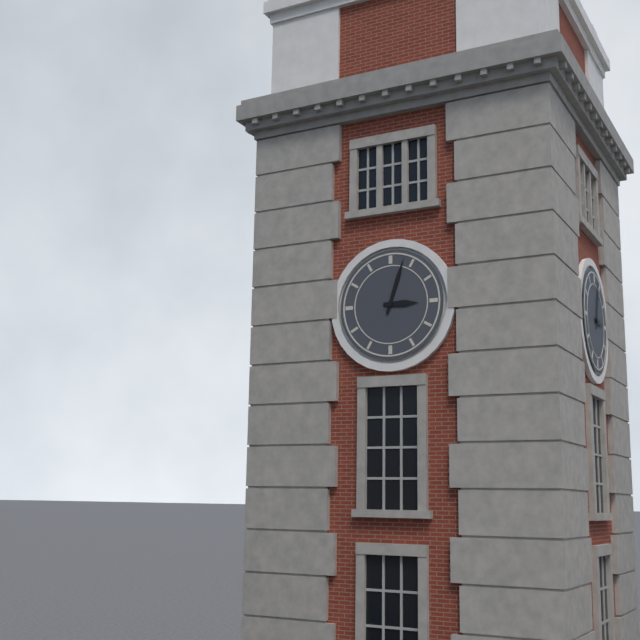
3:03
